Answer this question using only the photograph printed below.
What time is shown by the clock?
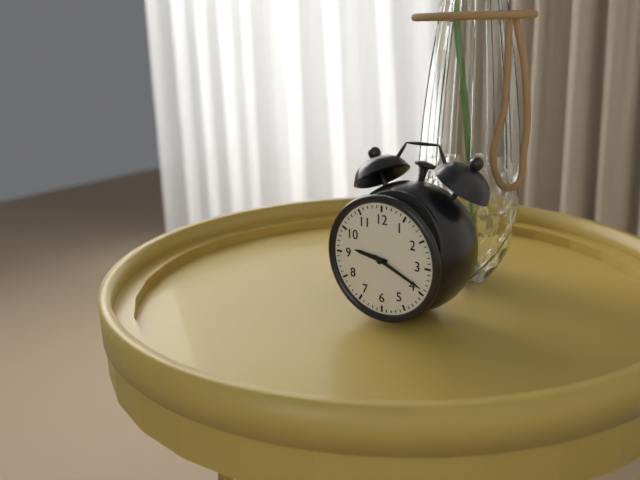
9:19
